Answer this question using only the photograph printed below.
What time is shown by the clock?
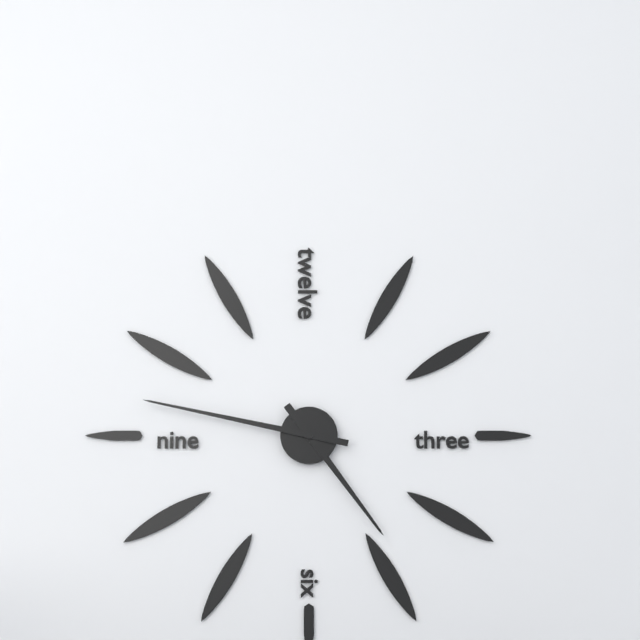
4:47
